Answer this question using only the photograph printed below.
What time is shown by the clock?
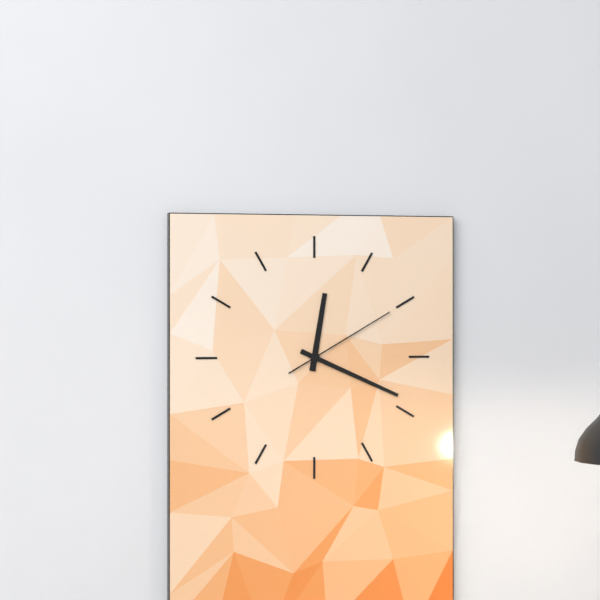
12:19:10
